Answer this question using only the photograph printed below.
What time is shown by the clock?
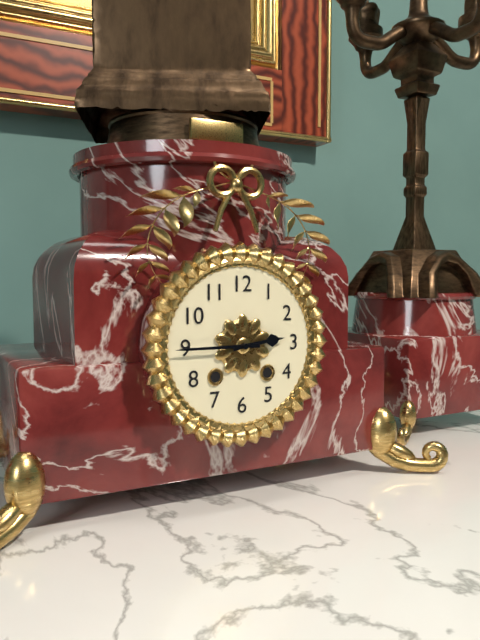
2:45
